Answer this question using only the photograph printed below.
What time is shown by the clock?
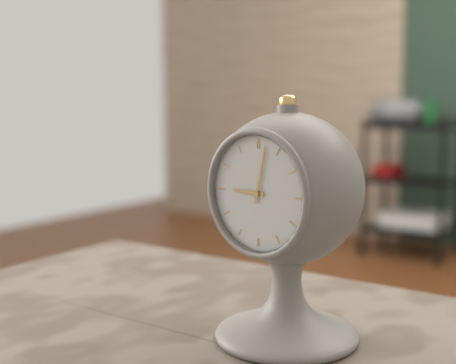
9:02
